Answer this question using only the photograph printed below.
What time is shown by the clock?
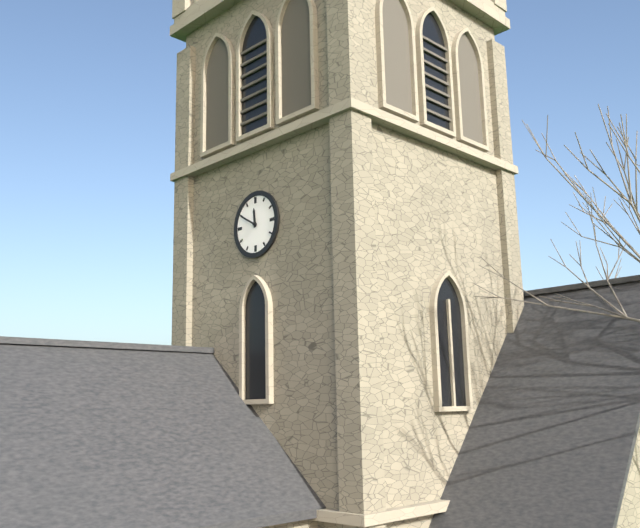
11:50
